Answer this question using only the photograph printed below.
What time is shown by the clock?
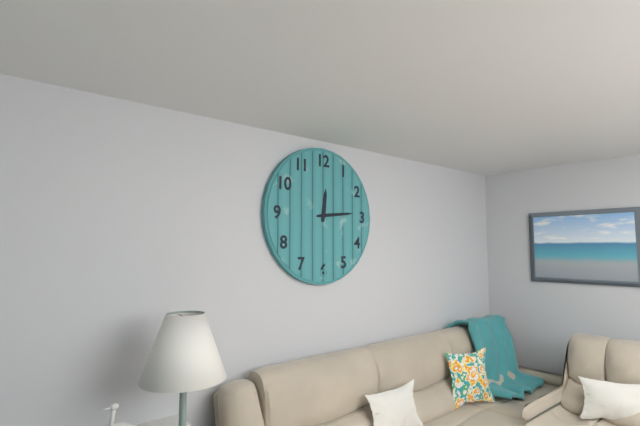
12:14
